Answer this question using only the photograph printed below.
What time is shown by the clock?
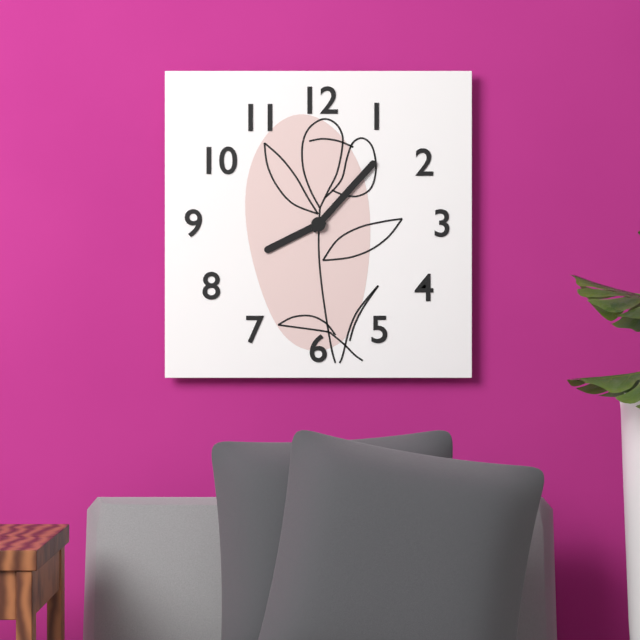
8:07
